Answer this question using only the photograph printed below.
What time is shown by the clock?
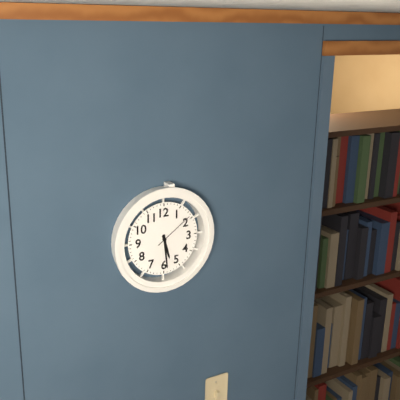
5:29
